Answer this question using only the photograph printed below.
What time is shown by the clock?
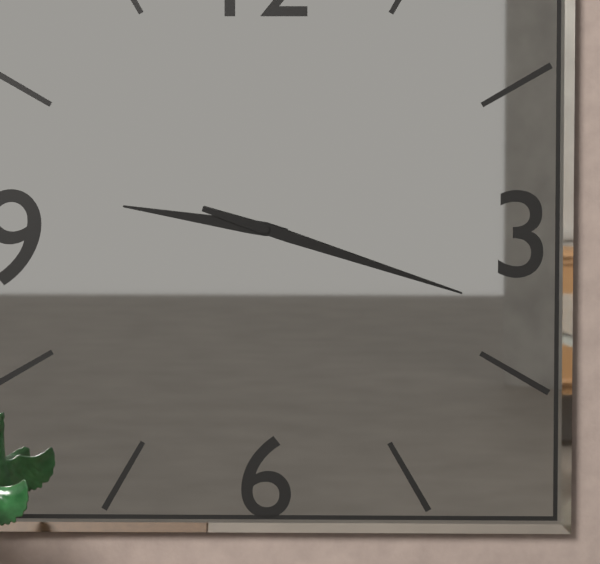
9:18
